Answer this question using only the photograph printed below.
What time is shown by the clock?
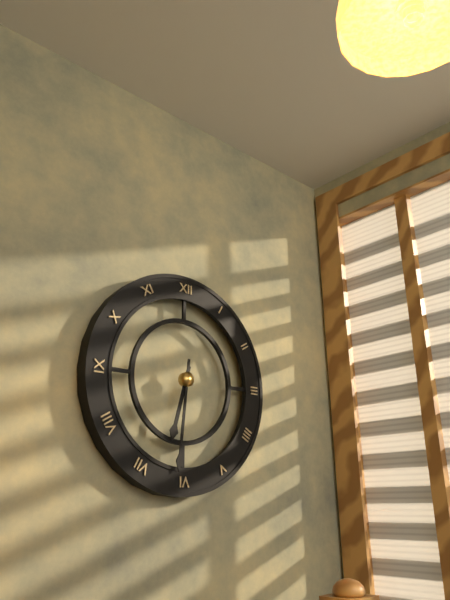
6:31
